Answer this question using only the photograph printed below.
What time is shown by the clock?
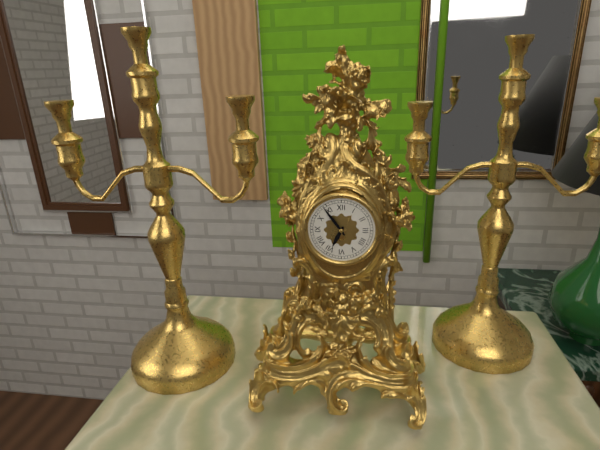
6:54
